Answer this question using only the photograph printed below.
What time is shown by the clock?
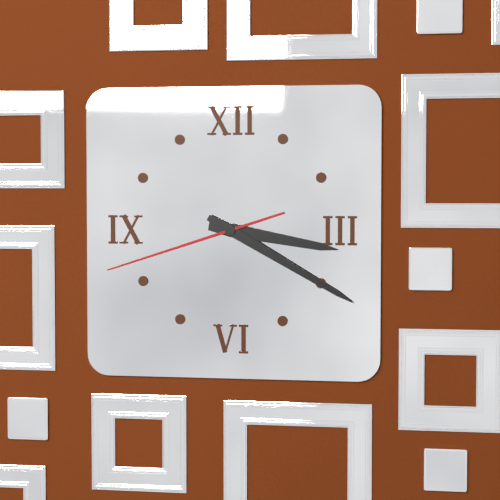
3:20:42
